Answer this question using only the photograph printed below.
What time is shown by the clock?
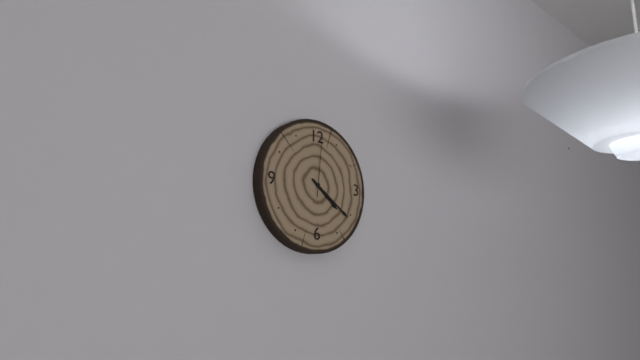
4:21:01
